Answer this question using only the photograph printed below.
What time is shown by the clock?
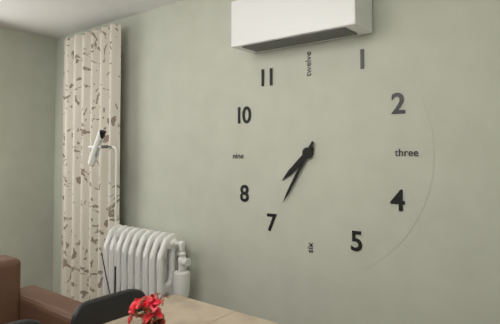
7:35
